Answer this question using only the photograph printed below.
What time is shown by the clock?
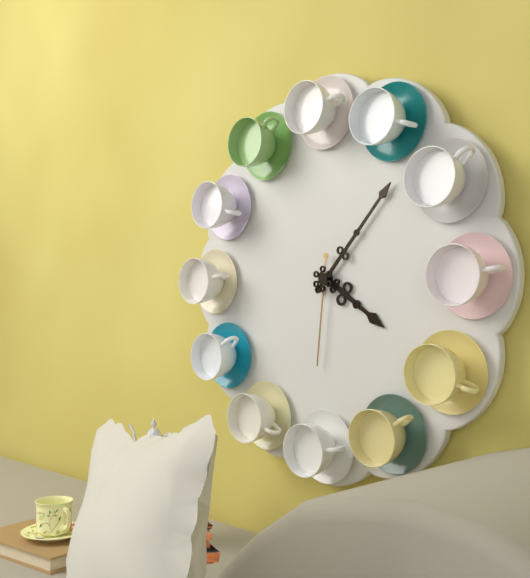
4:07:31
